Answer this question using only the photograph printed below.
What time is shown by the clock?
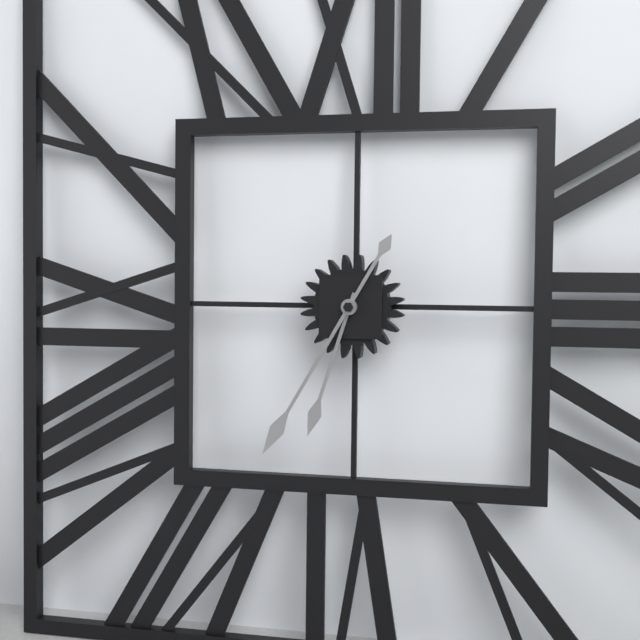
6:35
